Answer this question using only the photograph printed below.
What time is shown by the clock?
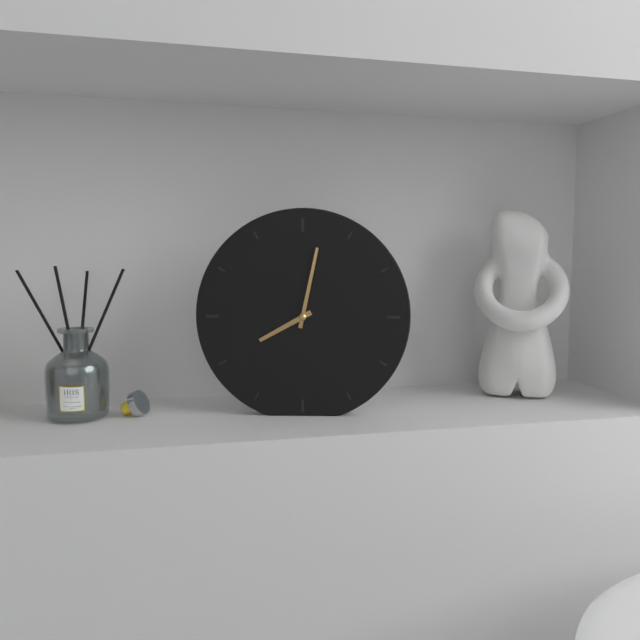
8:02
